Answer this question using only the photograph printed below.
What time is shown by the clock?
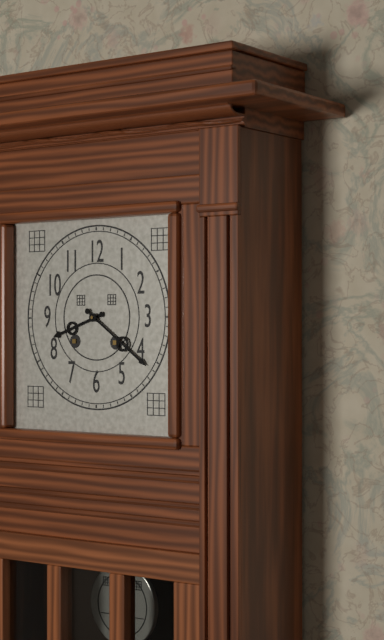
8:21
